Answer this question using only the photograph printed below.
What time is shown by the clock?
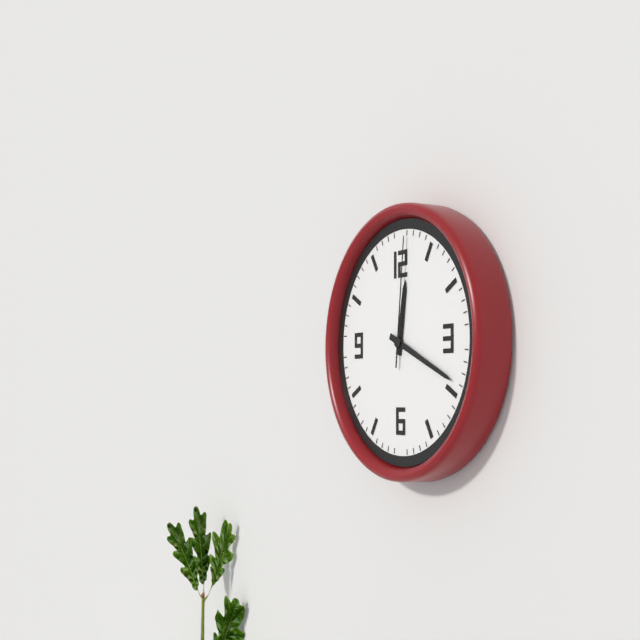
12:19:01
